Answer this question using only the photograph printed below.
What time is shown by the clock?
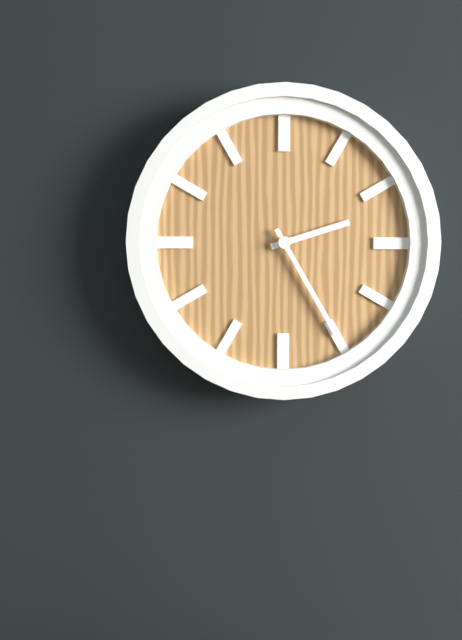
2:25
